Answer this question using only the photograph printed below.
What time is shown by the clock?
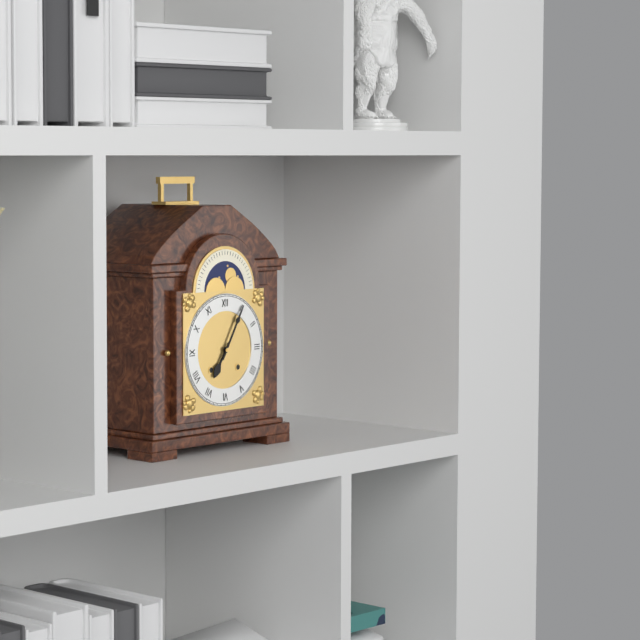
7:05
